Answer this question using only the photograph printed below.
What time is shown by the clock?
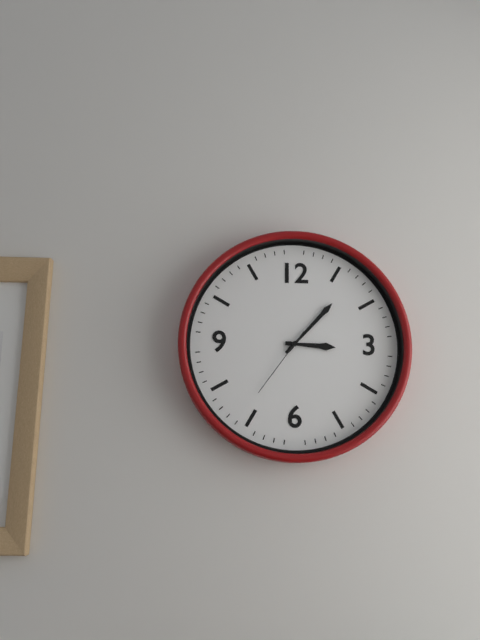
3:07:36
